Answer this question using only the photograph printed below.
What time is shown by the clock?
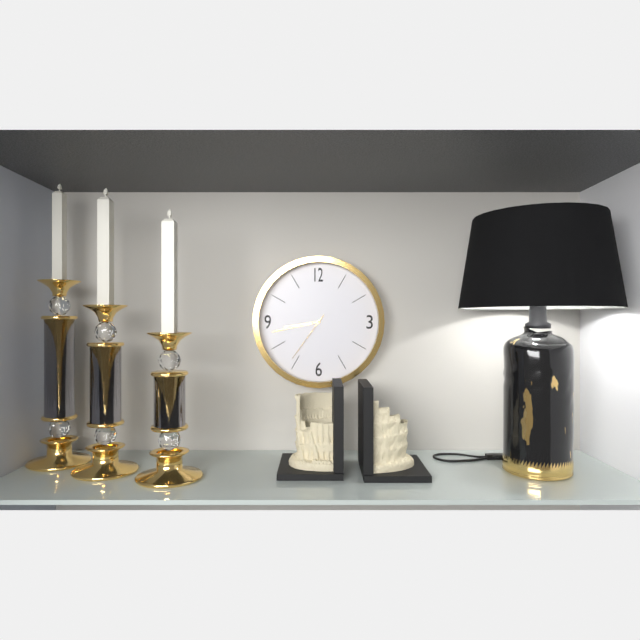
8:43:36
